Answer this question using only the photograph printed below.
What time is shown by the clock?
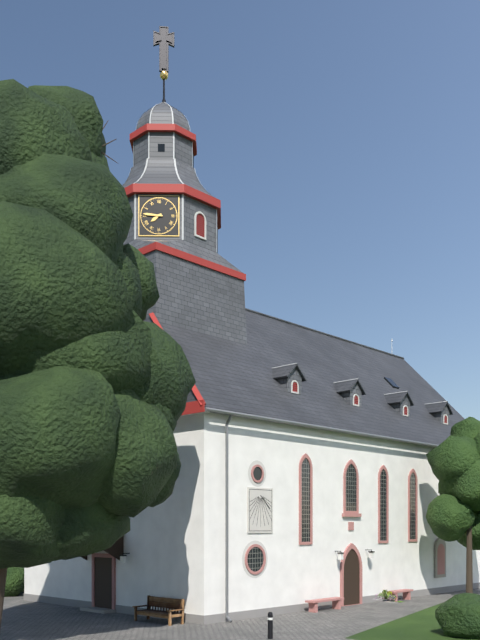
7:46
